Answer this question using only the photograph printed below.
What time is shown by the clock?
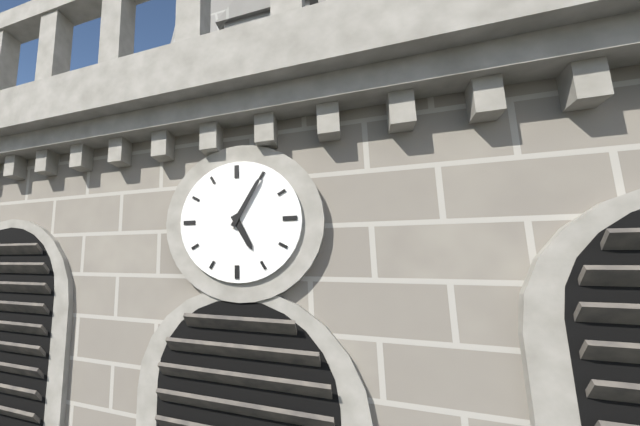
5:05
